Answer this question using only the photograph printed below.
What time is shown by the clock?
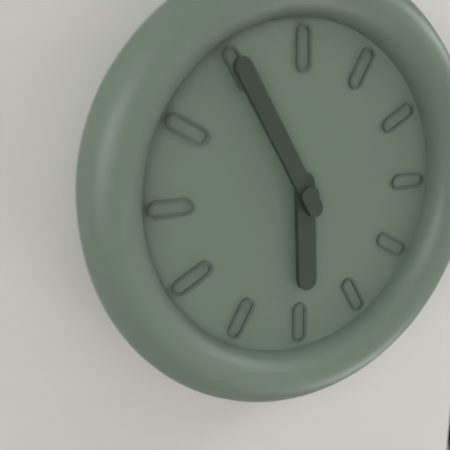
5:55
